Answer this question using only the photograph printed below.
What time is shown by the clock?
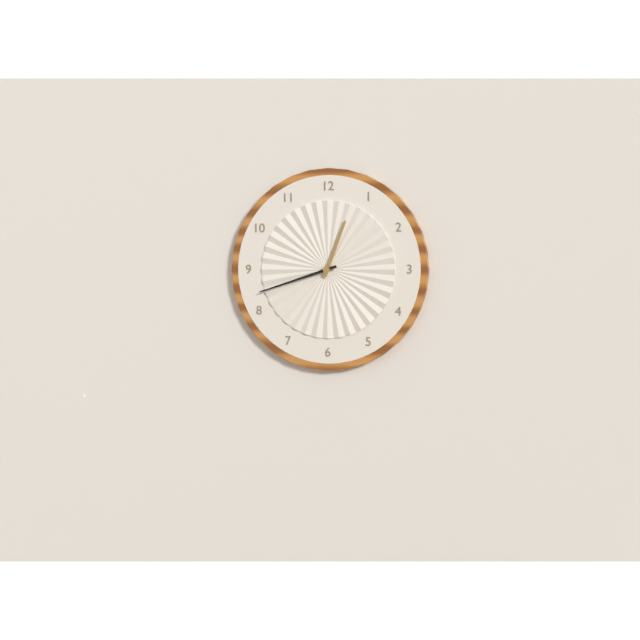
12:42
